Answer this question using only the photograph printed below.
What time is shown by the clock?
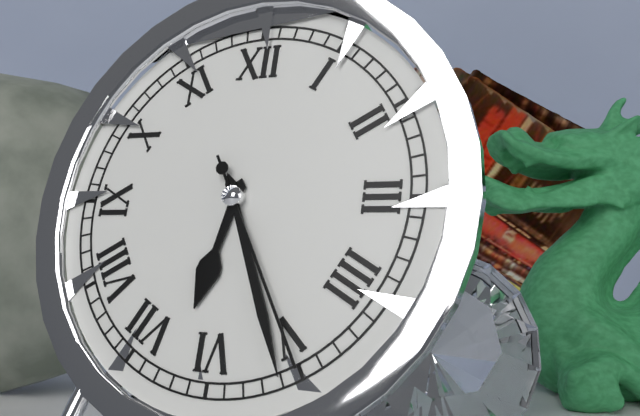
6:26:25
